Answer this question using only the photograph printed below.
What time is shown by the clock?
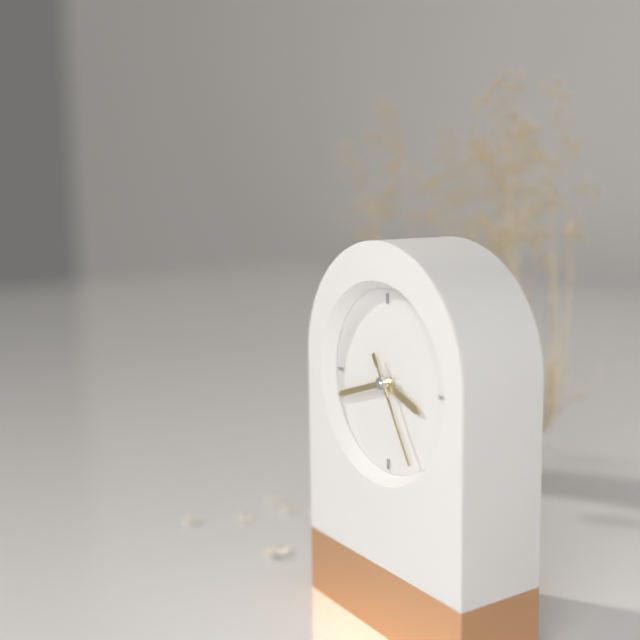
3:42:25
